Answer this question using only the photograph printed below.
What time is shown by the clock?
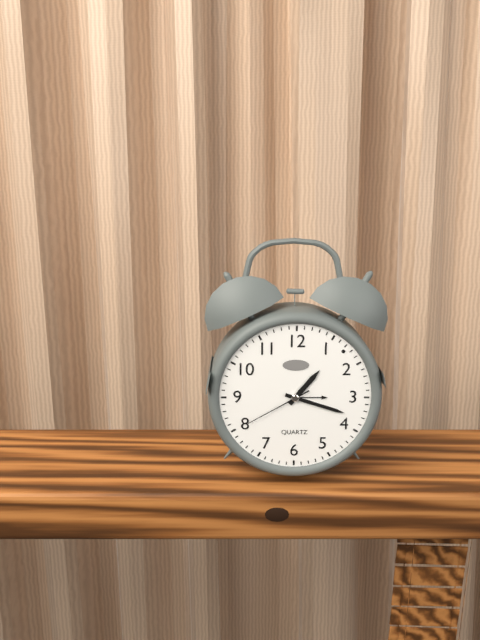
1:18:40
